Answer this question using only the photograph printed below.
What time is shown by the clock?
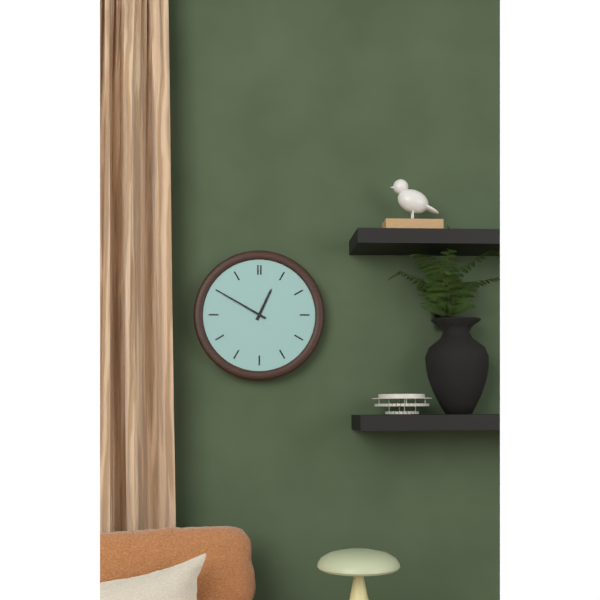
12:50
